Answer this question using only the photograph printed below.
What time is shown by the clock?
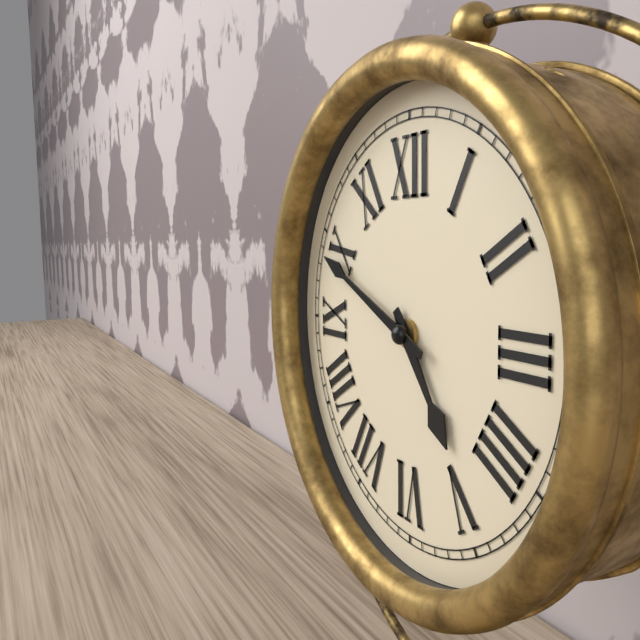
4:49
